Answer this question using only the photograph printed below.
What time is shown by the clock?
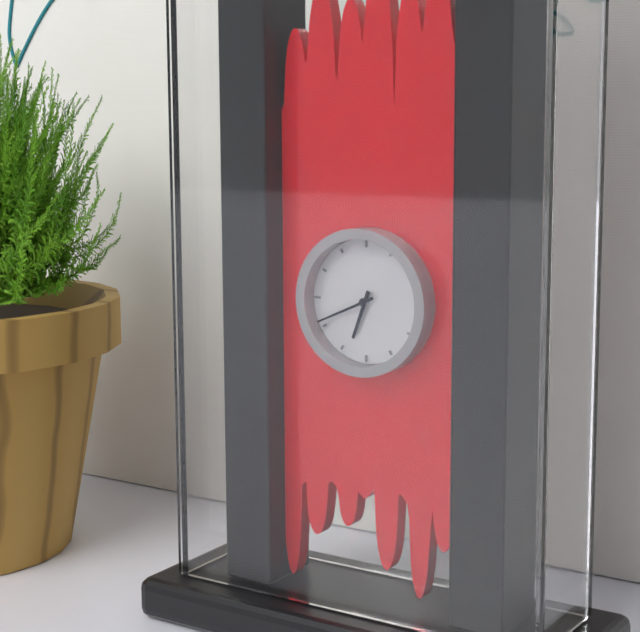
6:41
